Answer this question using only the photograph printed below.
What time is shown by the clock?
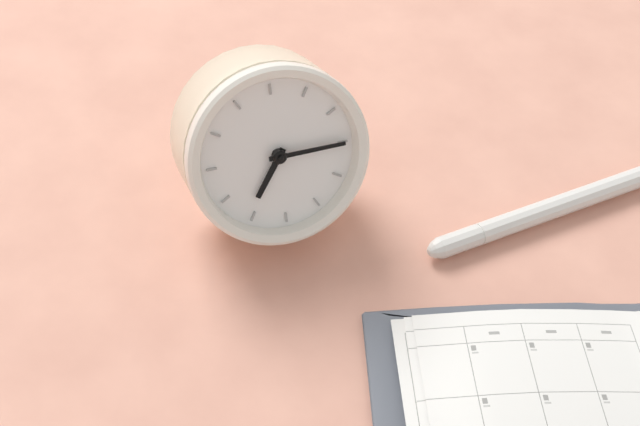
6:10
